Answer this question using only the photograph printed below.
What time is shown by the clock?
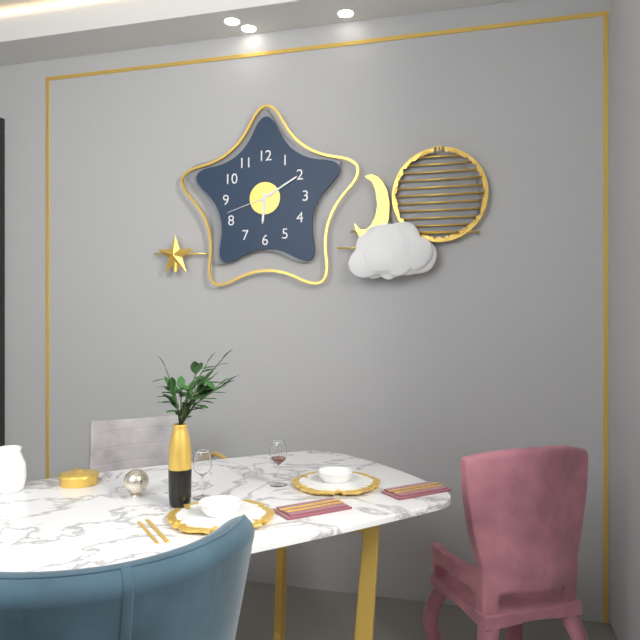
6:10:42
